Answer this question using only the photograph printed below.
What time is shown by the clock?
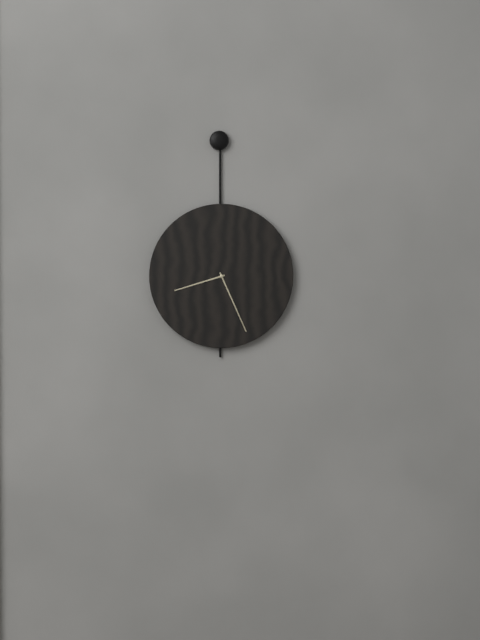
8:26
